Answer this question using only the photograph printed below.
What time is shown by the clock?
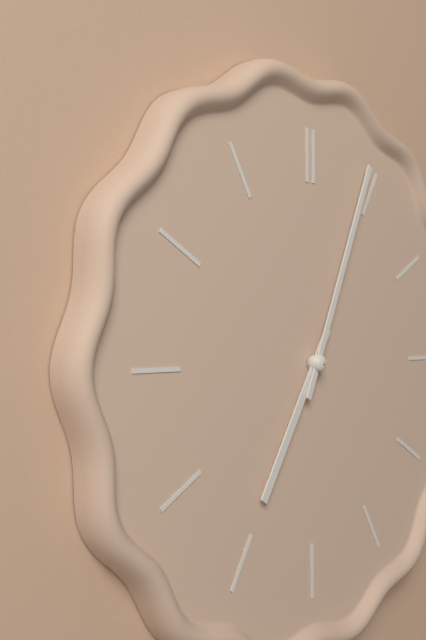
7:04
